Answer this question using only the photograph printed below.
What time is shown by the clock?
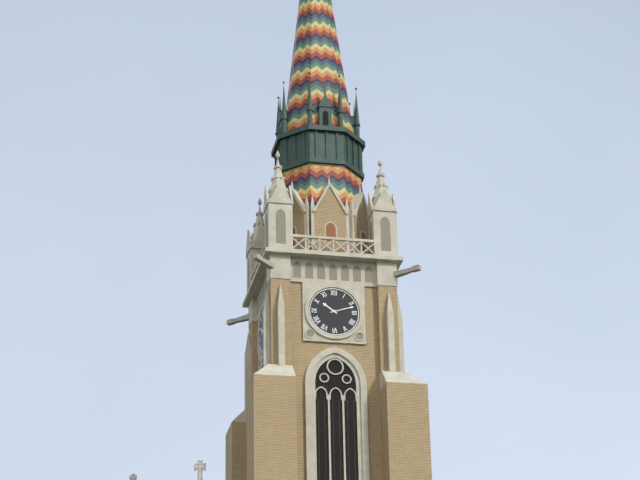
10:12
